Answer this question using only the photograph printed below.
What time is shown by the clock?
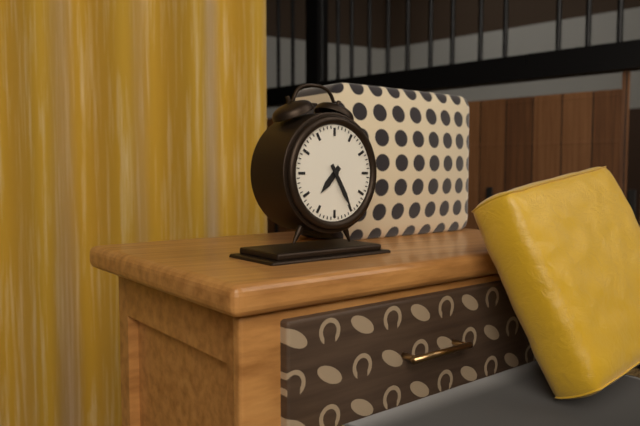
7:25
